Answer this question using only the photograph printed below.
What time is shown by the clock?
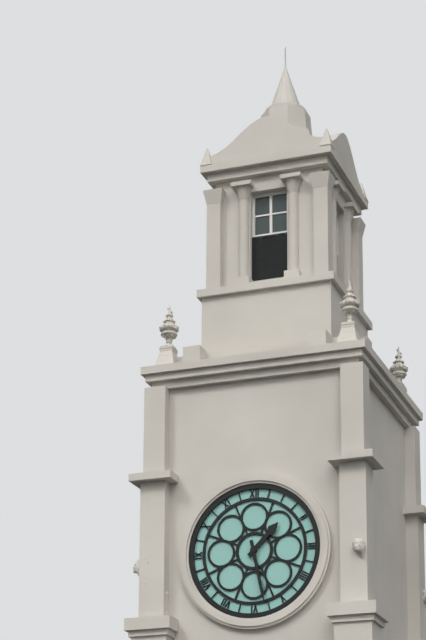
1:28
